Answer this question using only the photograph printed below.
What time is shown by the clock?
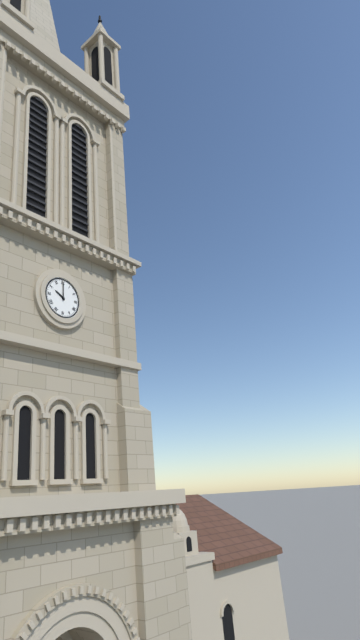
10:00
